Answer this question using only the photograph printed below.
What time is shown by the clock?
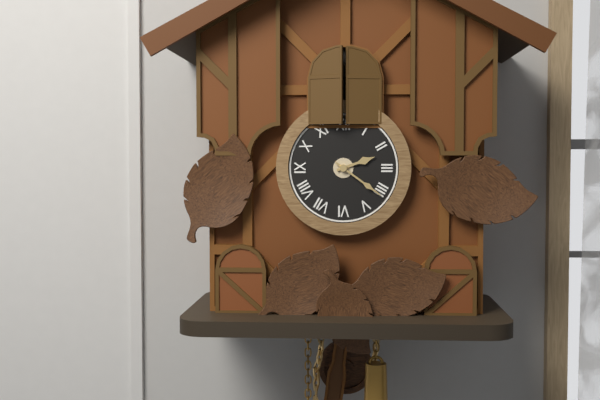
2:21
